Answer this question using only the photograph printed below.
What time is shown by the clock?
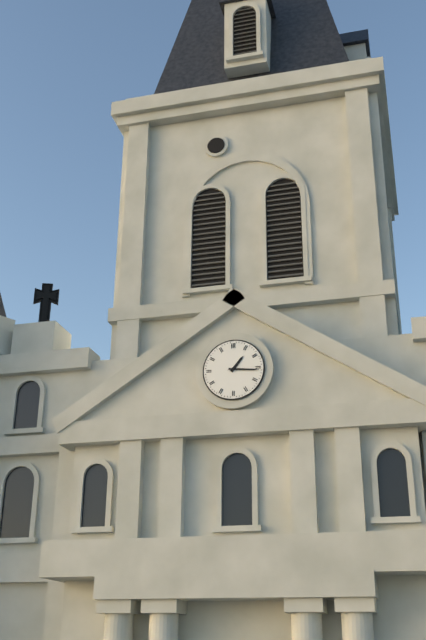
1:16
